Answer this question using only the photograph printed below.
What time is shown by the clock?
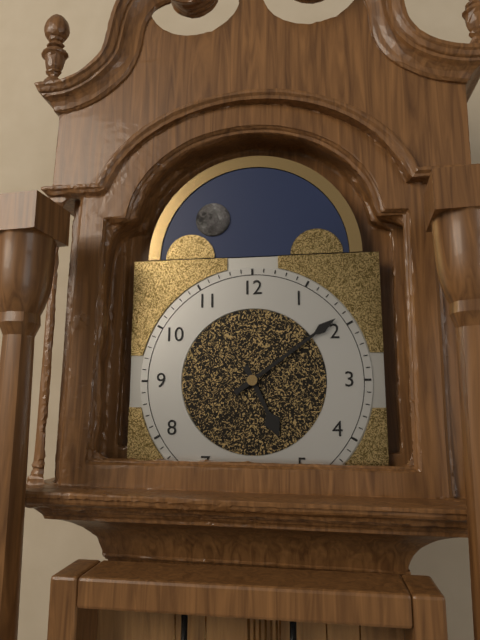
5:09
